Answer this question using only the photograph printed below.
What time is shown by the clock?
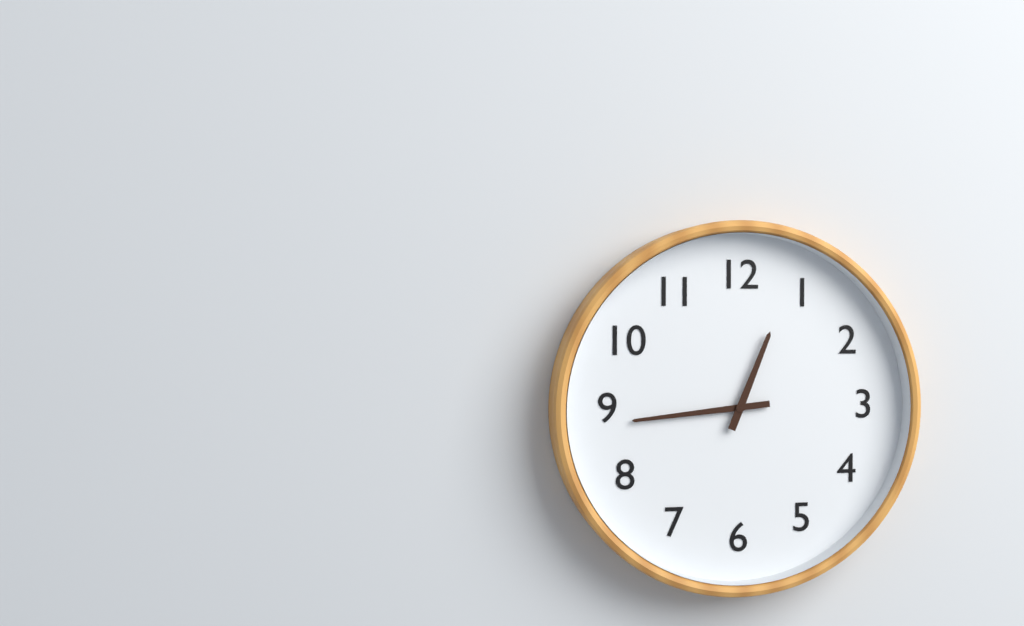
12:44
